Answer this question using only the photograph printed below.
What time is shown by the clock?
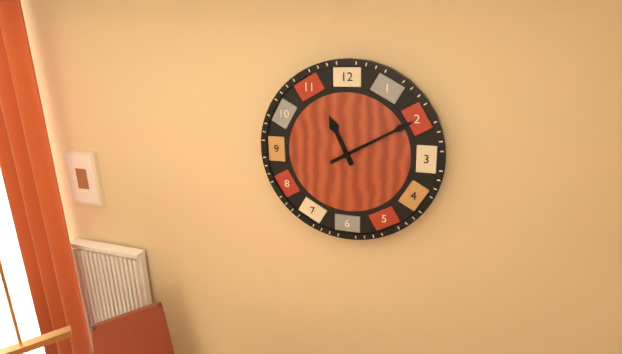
11:10
